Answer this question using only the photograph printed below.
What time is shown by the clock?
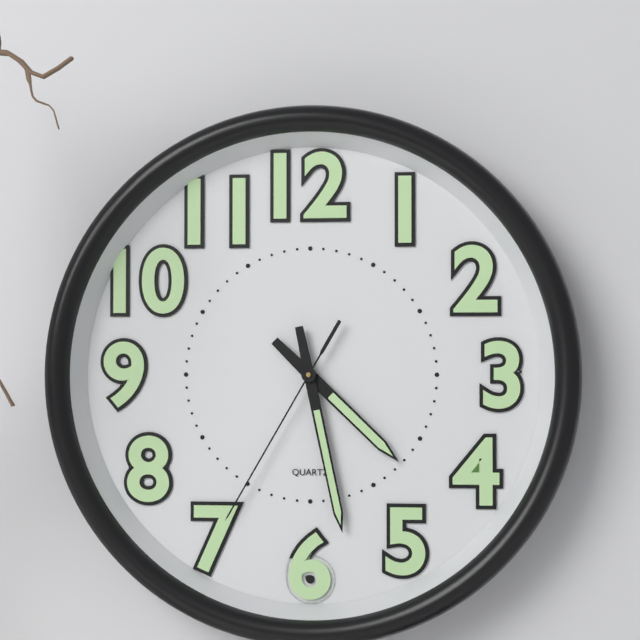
4:28:35
